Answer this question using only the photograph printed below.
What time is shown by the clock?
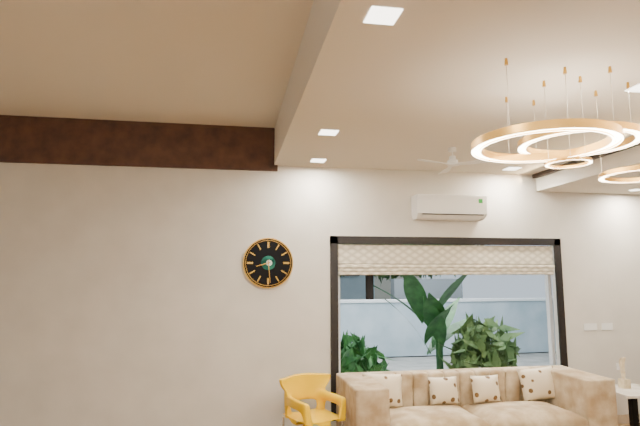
8:29
